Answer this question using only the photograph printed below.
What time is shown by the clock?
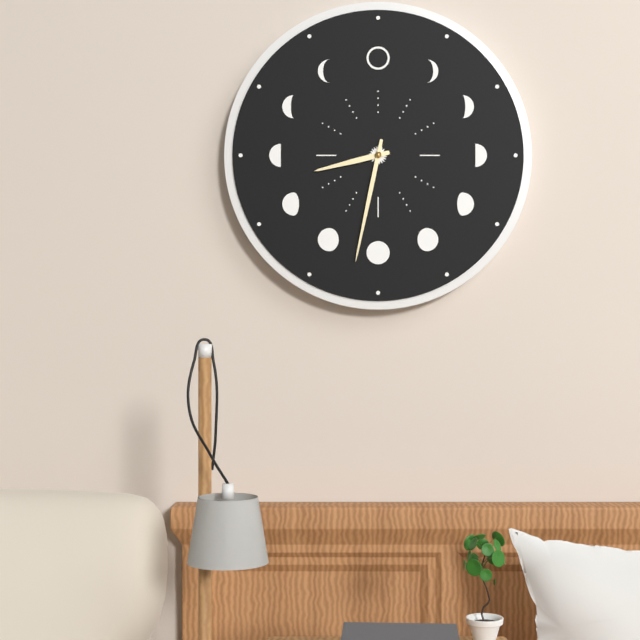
8:32
